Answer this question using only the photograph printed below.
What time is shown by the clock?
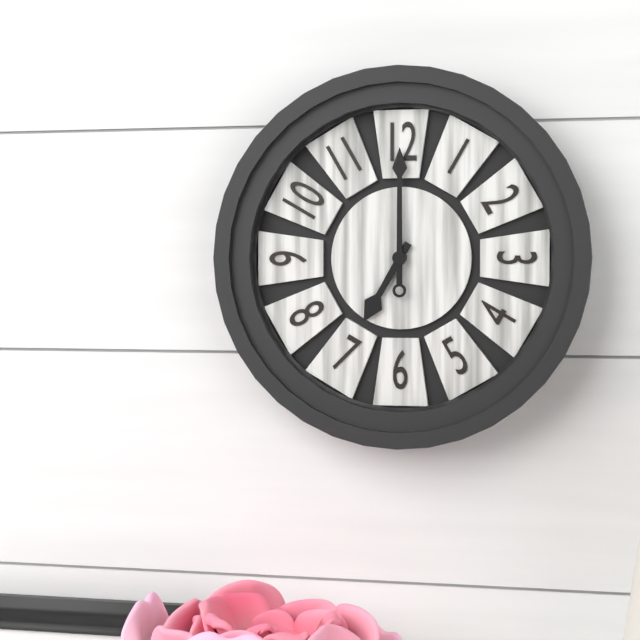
7:00
